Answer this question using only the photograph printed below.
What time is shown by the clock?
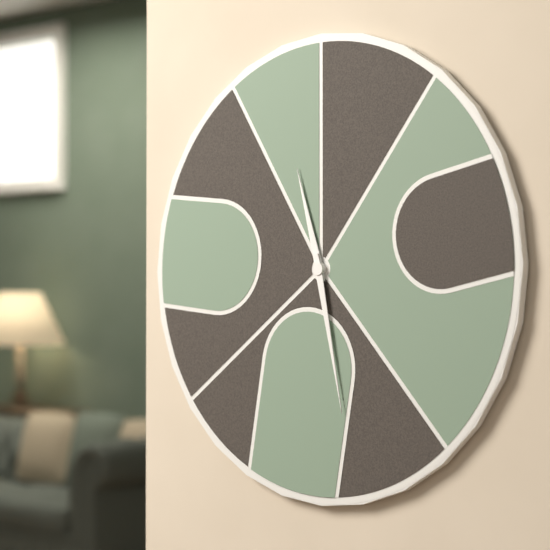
11:28
